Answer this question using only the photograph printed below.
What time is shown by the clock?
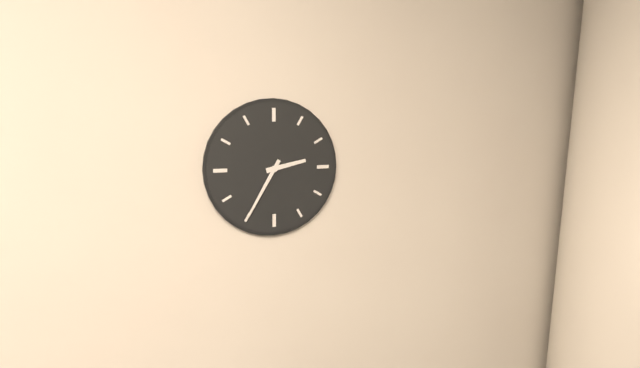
2:35
